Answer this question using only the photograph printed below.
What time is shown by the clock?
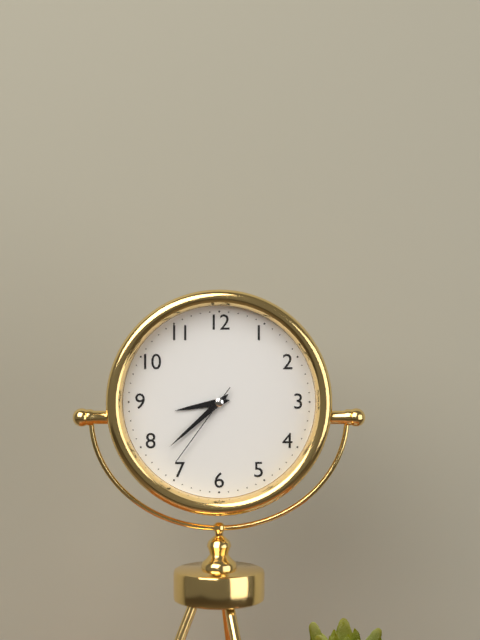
8:38:36
